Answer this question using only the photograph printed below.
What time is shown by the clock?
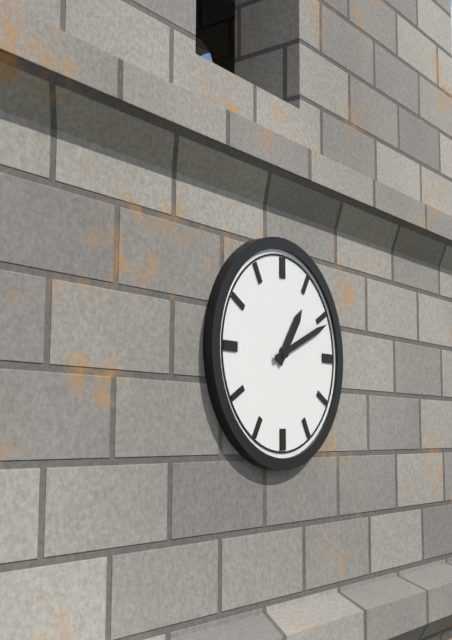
1:11
